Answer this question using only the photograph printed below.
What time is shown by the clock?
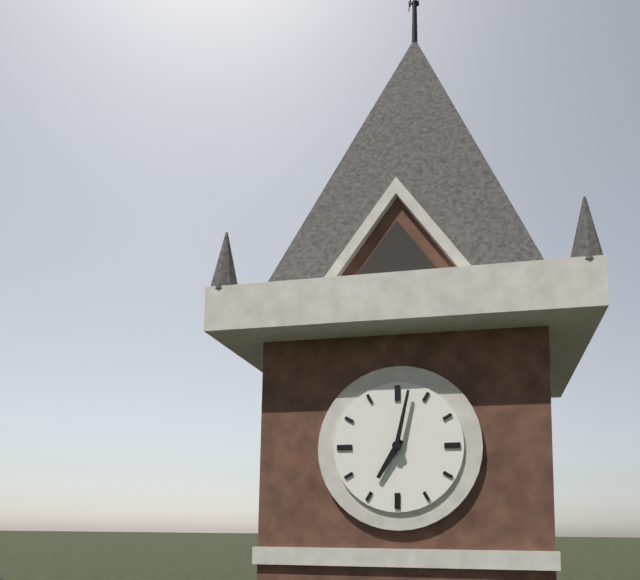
7:02
